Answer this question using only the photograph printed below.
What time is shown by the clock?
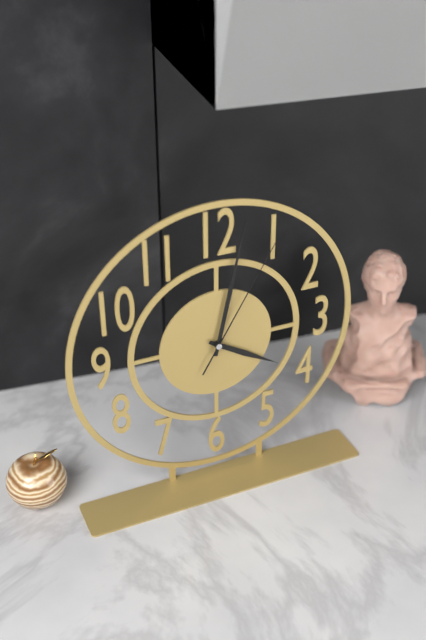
4:02:05
